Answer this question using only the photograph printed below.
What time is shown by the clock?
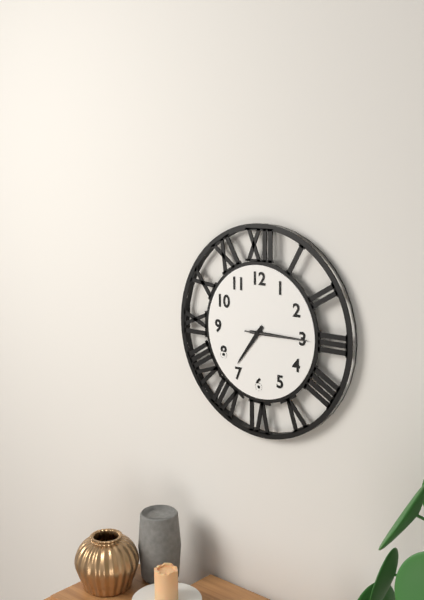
7:15:15
